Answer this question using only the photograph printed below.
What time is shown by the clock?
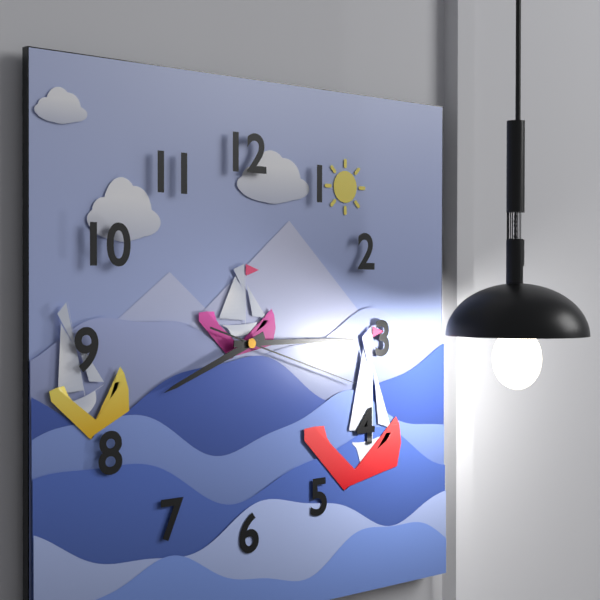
8:15:18
